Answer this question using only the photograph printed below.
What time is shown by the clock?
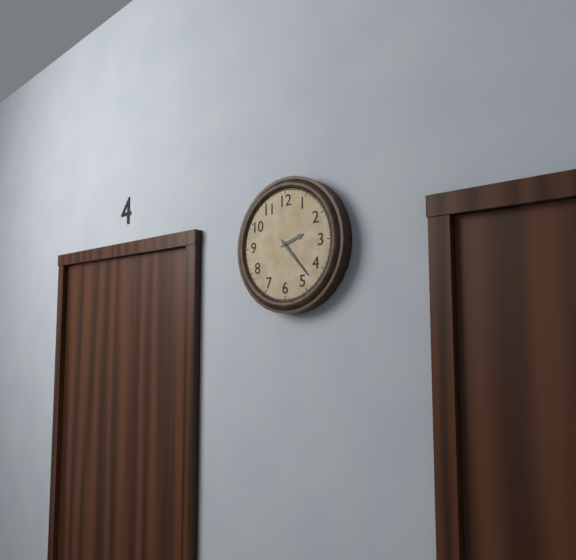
2:23
